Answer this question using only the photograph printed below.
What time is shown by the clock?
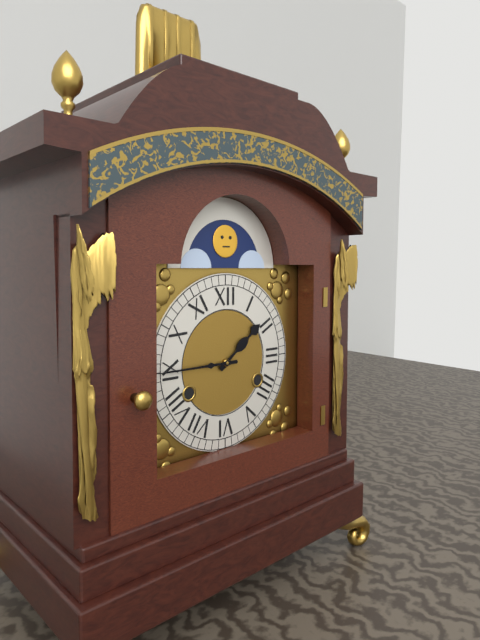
1:45
